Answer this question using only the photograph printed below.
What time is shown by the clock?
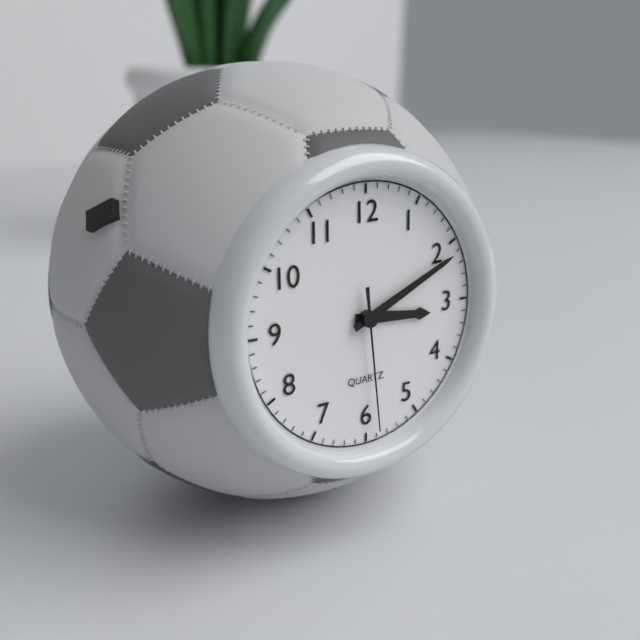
3:11:29
